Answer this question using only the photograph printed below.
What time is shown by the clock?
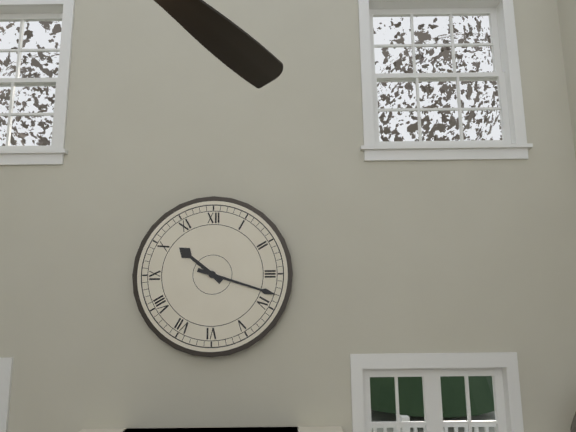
10:18
